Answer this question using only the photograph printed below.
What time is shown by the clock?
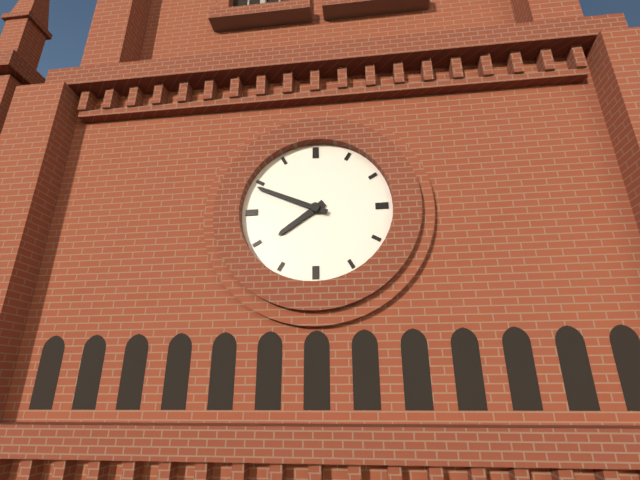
7:49
